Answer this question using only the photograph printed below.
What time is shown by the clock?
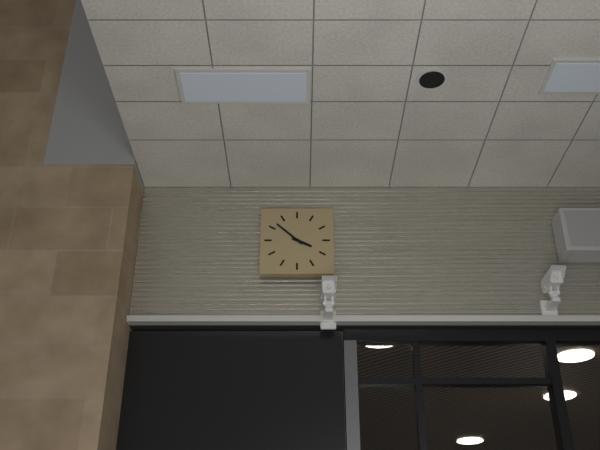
3:52
